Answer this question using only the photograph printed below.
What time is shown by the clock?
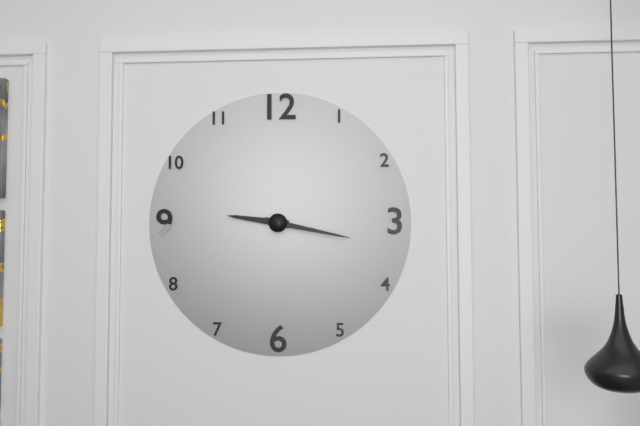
9:17
